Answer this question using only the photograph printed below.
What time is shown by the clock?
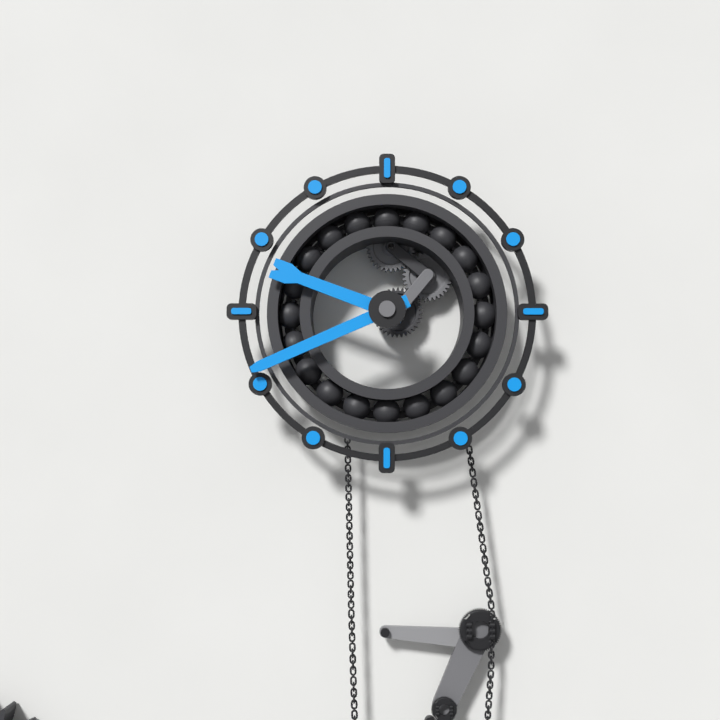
9:41
